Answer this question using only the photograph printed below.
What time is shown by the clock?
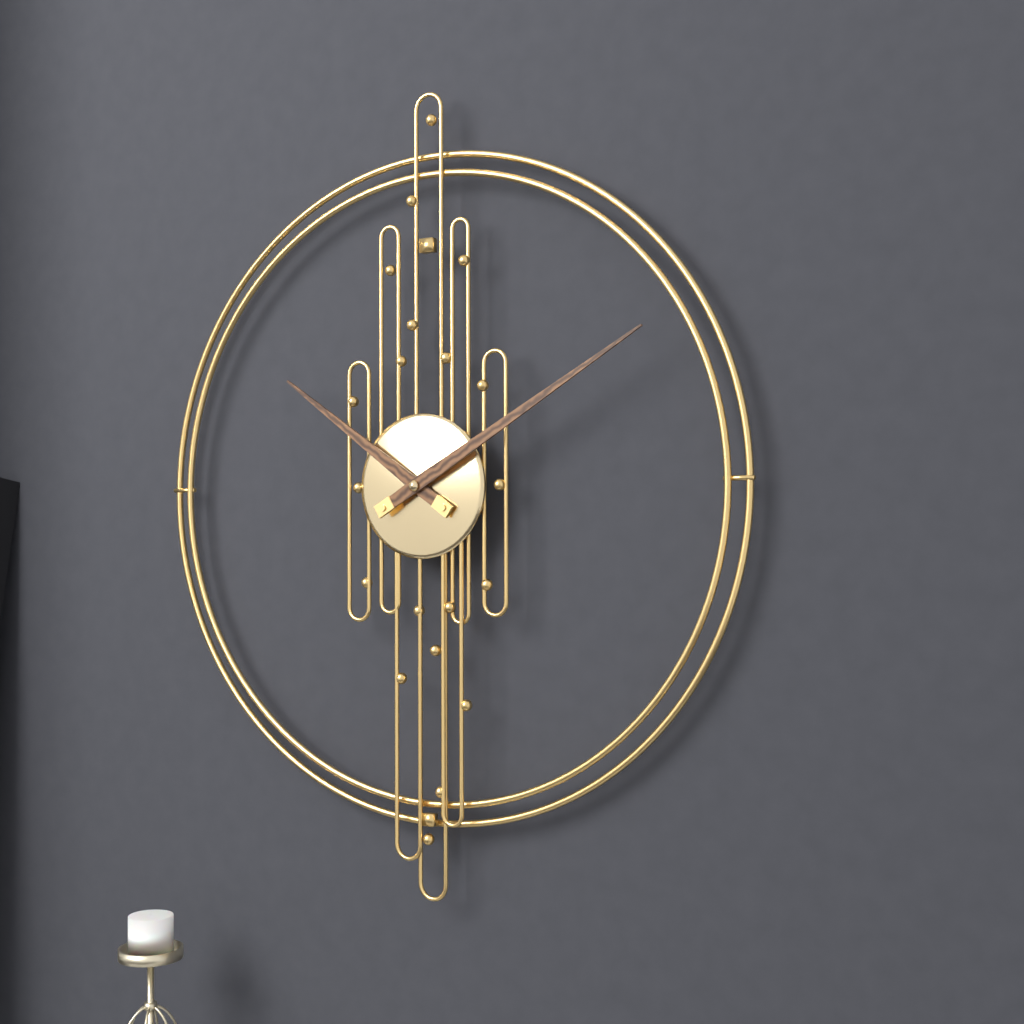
10:10
